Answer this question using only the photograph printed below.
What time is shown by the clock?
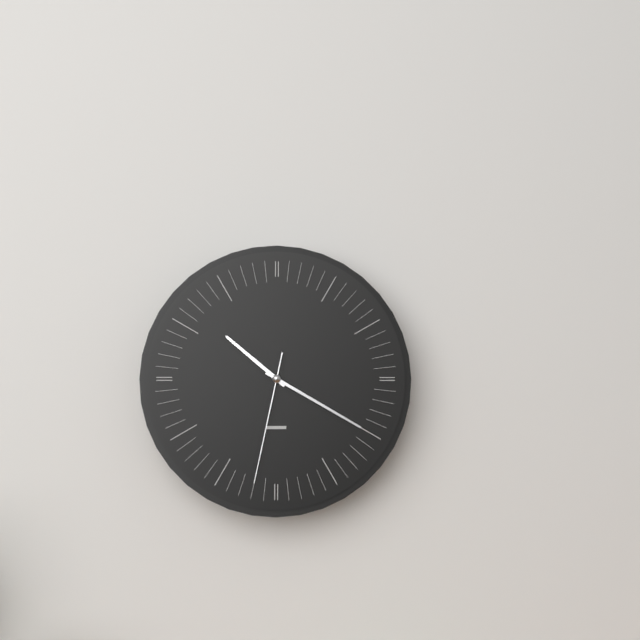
10:20:32
